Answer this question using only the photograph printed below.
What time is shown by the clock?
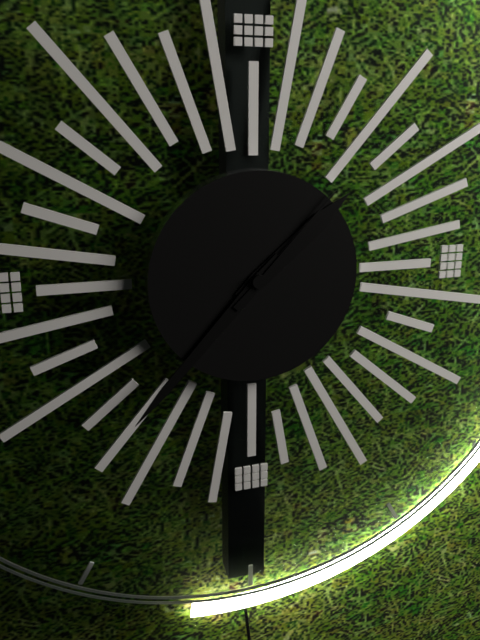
1:37:07
